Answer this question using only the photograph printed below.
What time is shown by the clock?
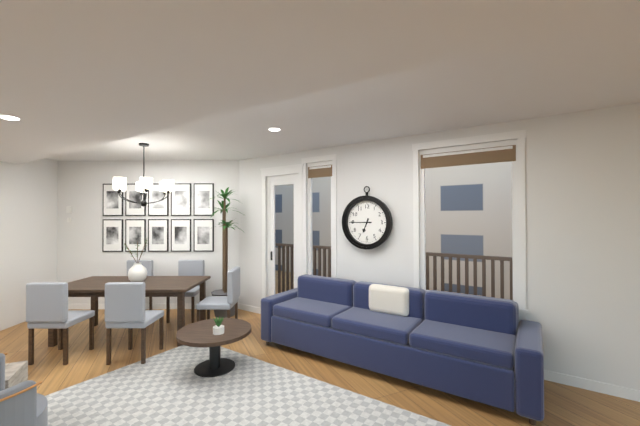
6:45
